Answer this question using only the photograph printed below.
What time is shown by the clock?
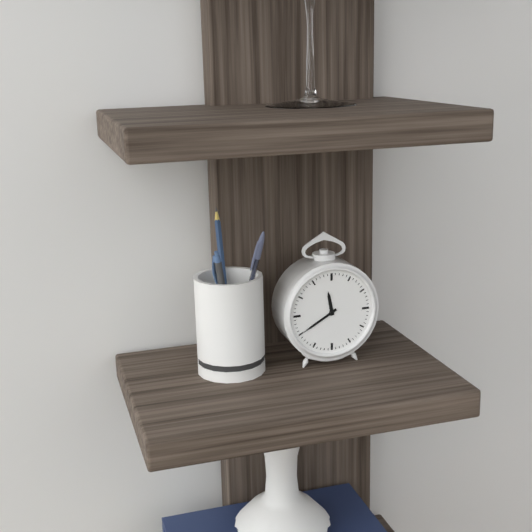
11:40
